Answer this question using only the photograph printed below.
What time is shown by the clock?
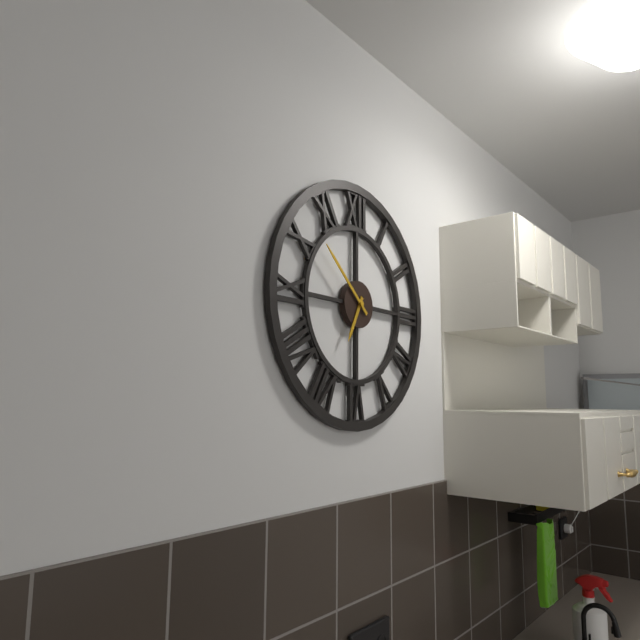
6:52
